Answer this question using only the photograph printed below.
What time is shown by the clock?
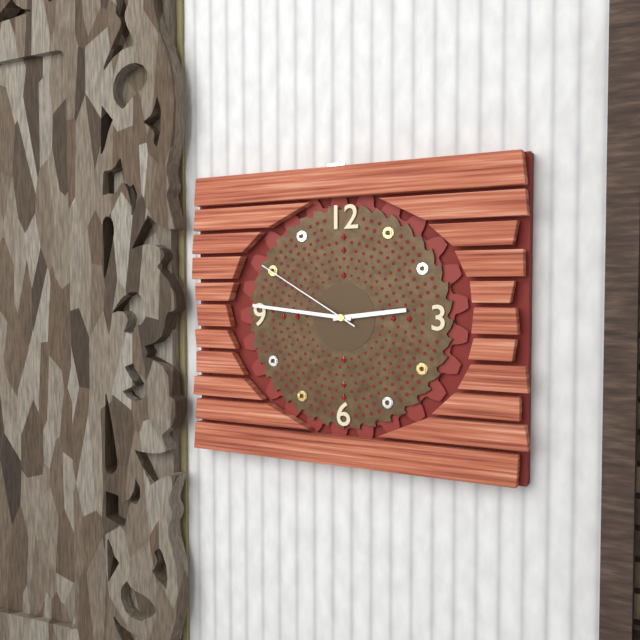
2:46:50
